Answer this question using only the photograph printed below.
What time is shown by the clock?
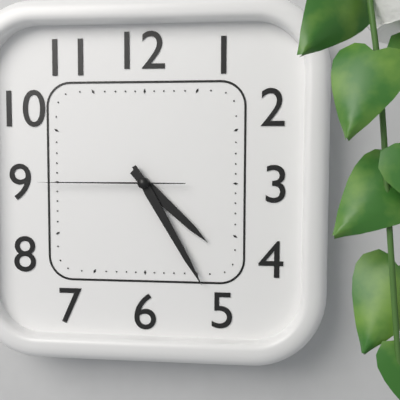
4:25:45
